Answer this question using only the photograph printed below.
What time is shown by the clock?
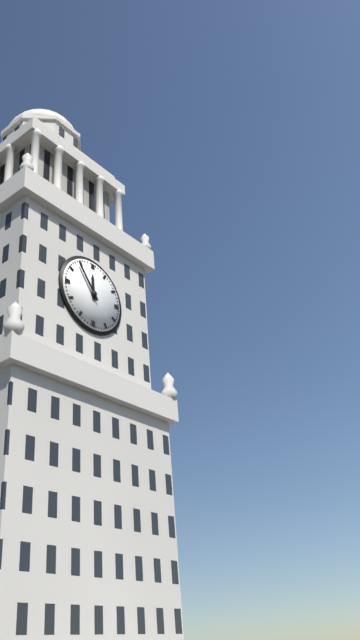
11:54
